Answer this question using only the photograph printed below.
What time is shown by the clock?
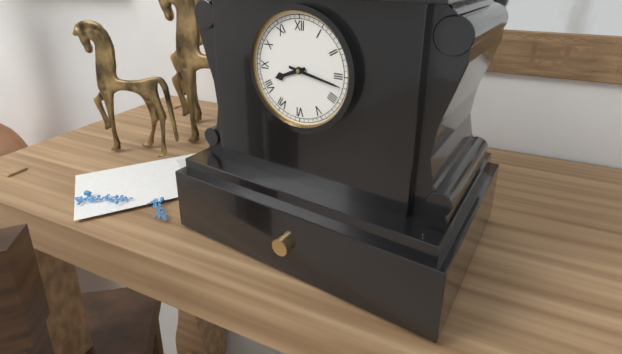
8:17
